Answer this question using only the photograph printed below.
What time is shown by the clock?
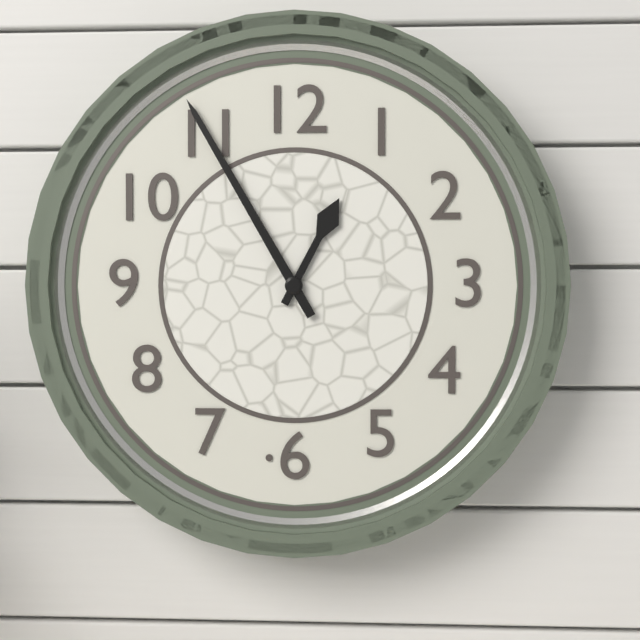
12:55
